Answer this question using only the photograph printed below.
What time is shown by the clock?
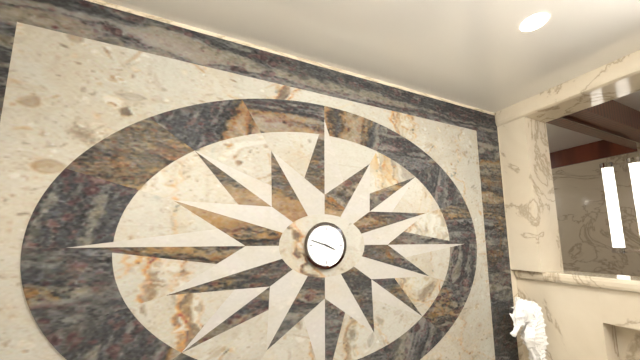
3:48
